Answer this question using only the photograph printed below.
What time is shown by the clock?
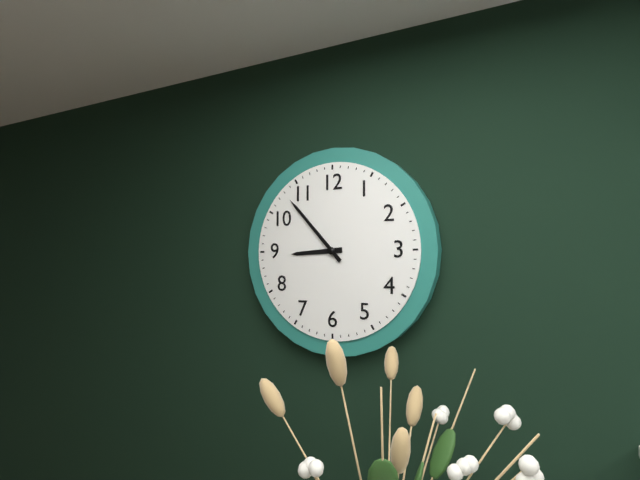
8:53
